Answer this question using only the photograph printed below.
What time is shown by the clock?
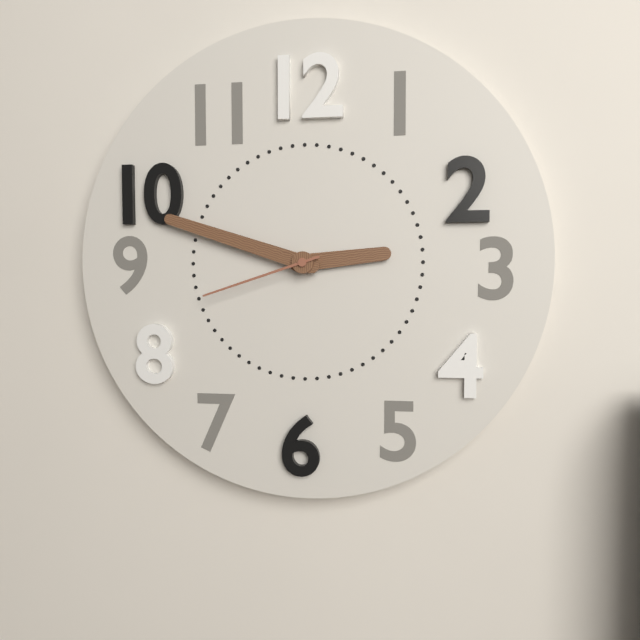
2:48:42
